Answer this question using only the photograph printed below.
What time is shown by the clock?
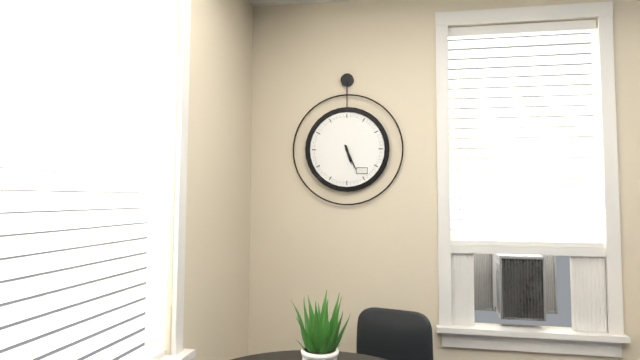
5:26
